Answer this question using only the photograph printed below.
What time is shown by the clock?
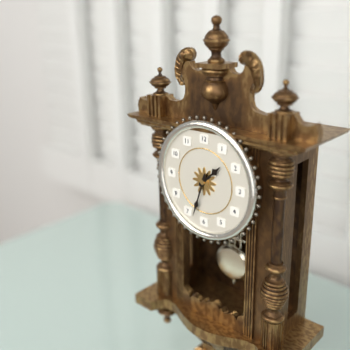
1:33
